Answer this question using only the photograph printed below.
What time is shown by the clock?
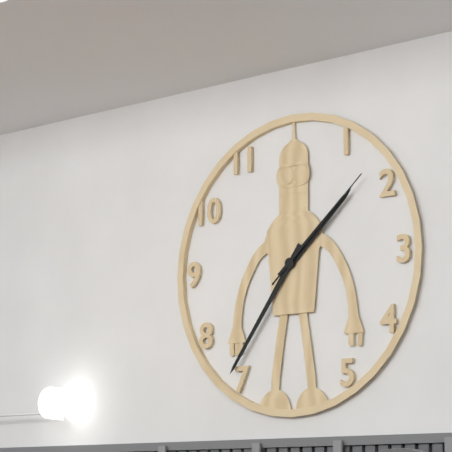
1:36:08
